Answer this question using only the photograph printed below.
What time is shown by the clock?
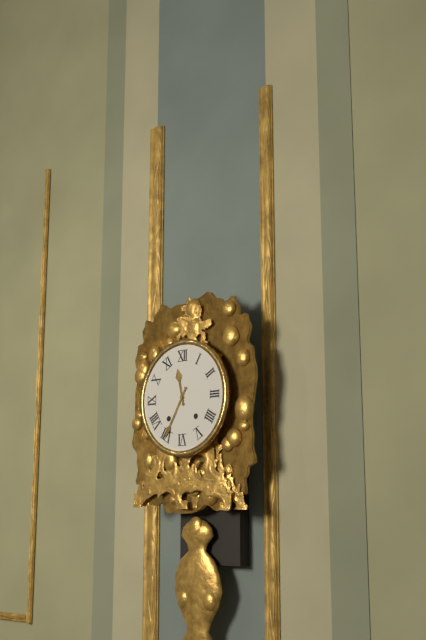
11:35
